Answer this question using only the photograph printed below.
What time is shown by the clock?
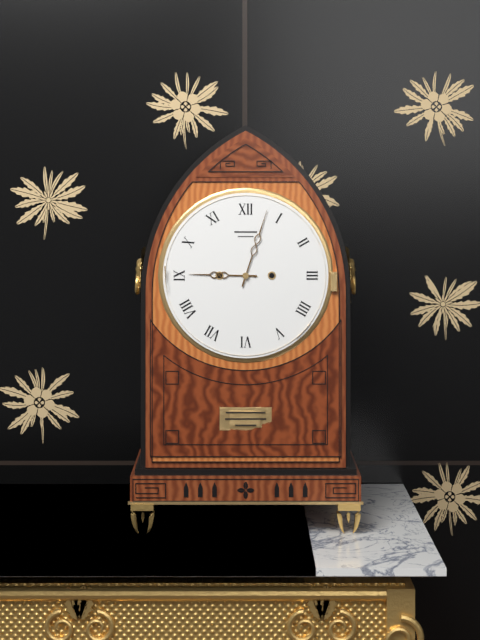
9:03
